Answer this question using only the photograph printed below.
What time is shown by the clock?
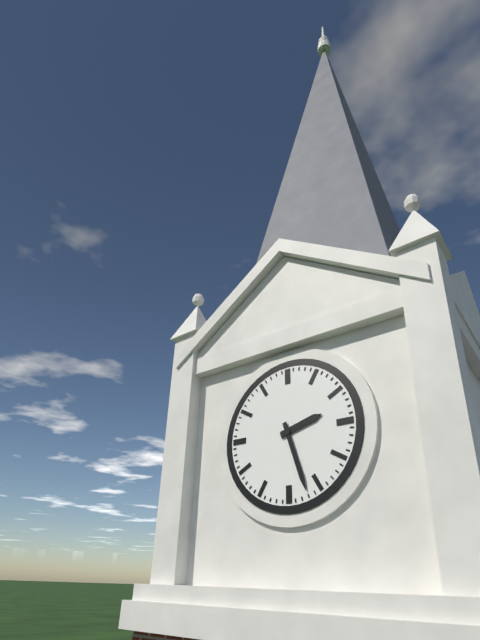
2:27
